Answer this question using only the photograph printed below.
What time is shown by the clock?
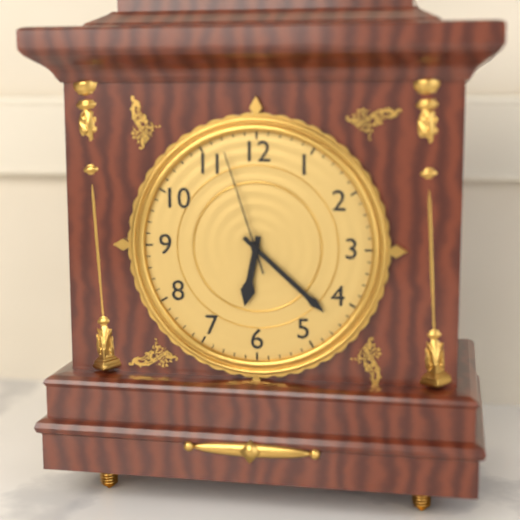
6:22:57
